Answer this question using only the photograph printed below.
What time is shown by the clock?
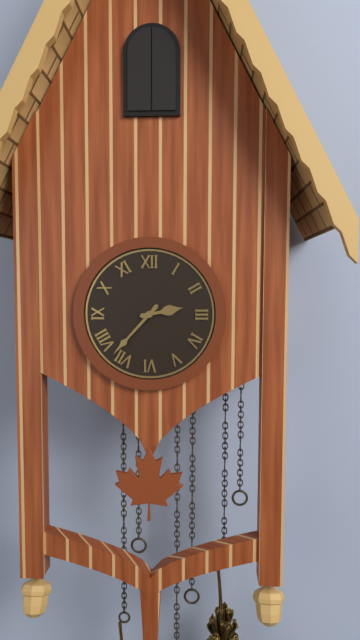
2:37
